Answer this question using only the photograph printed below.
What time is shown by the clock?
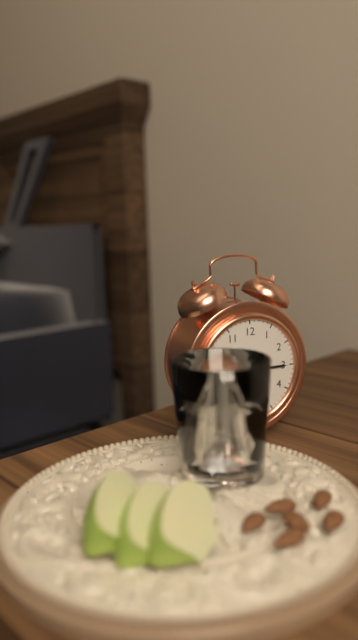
9:15:34
